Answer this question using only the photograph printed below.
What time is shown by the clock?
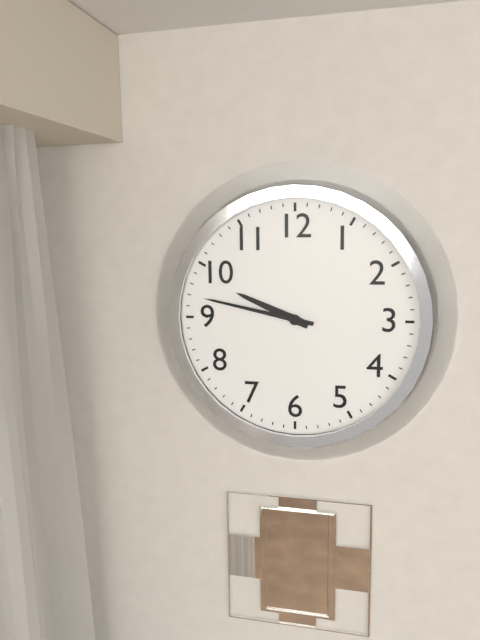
9:47
